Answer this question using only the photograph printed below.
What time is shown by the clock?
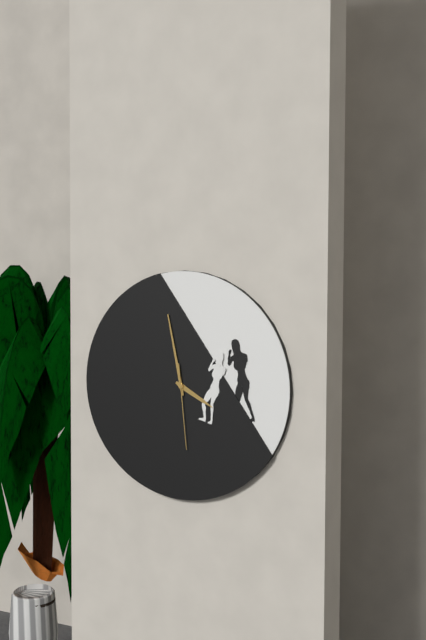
3:58:29
